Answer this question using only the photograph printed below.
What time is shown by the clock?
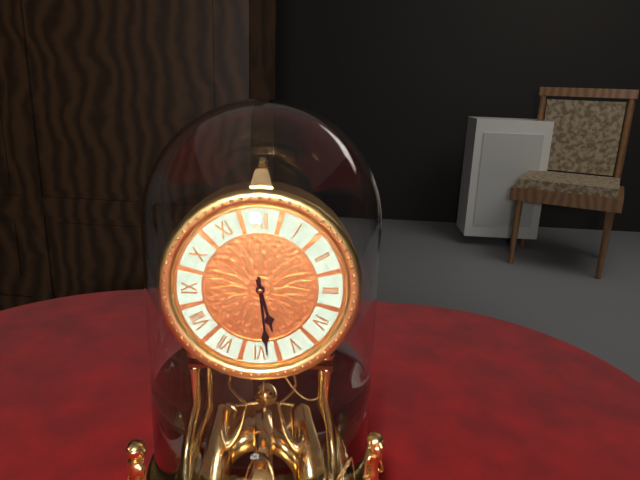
5:29
